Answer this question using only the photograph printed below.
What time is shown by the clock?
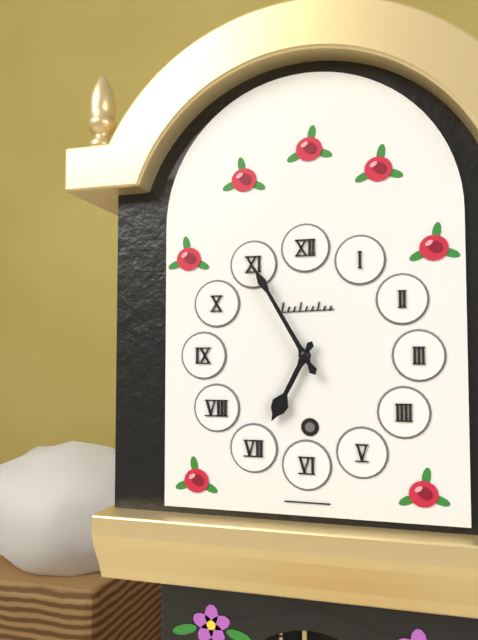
6:55
